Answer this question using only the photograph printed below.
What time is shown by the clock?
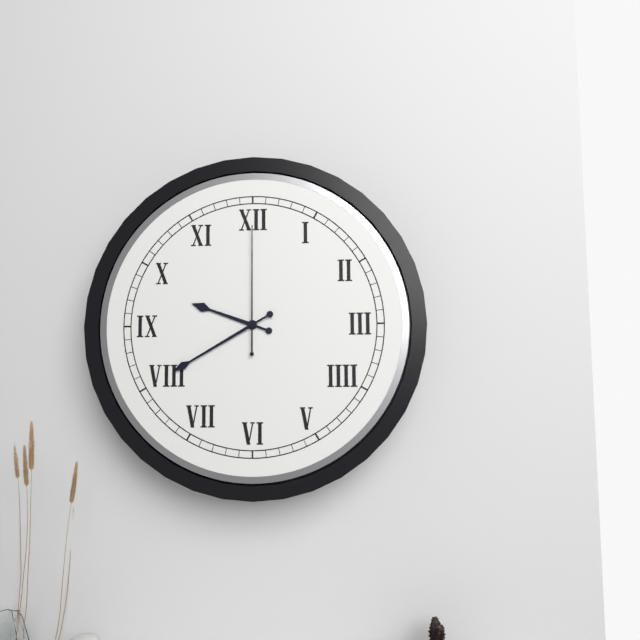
9:40:00
